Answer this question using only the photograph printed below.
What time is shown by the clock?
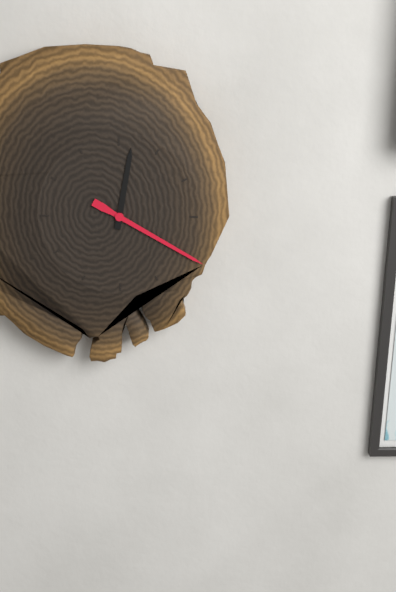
12:20
